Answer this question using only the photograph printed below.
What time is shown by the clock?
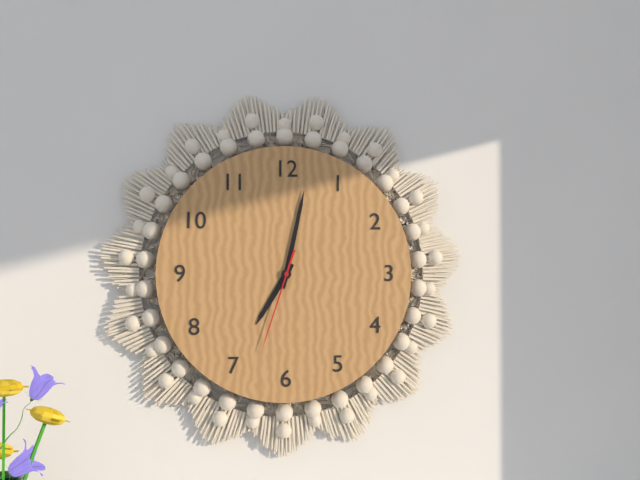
7:02:33
